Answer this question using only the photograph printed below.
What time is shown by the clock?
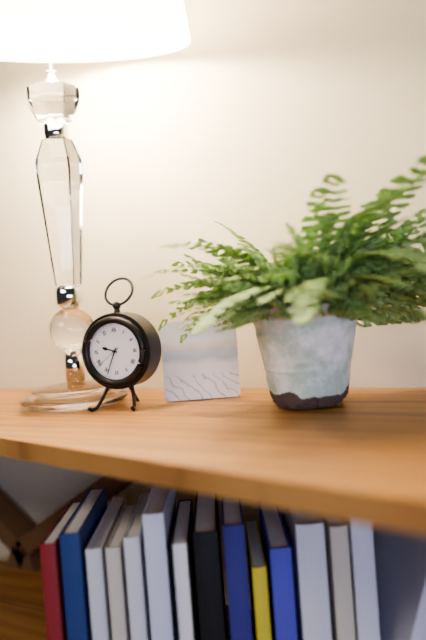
9:34
